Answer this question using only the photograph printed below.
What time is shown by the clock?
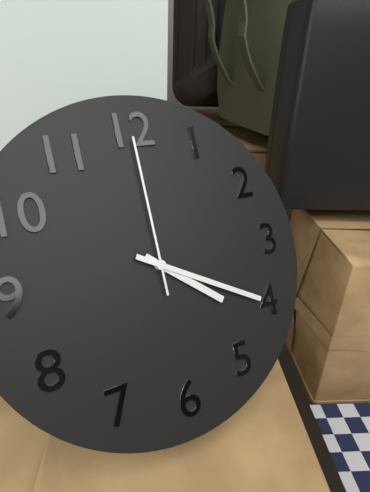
4:20:00
